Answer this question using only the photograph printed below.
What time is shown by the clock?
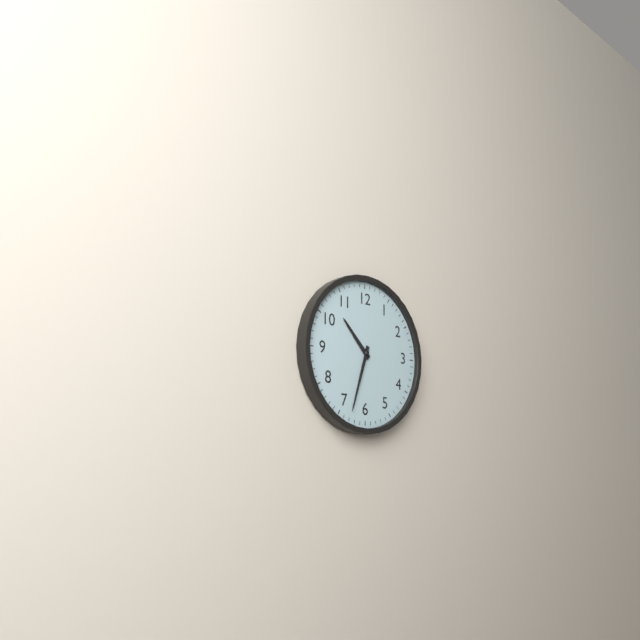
10:33
